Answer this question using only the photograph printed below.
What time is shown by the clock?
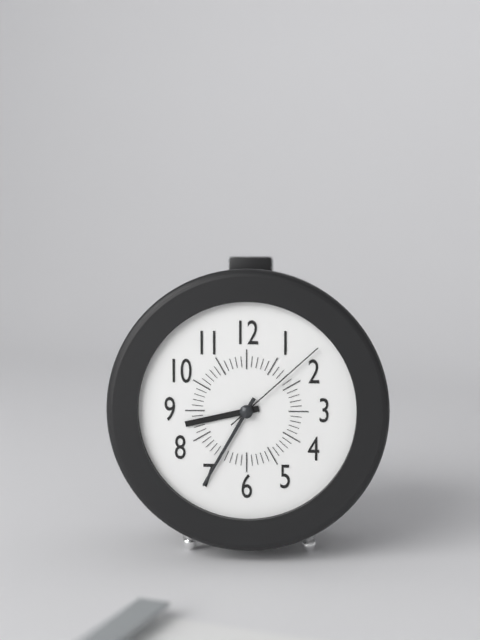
8:35:08
